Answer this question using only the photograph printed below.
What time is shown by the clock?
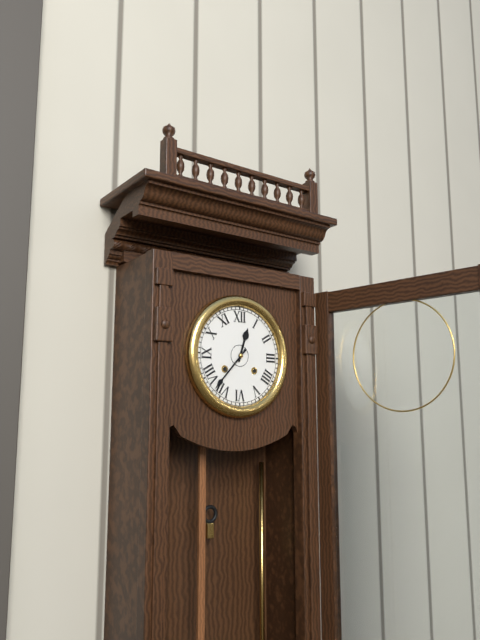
12:37
